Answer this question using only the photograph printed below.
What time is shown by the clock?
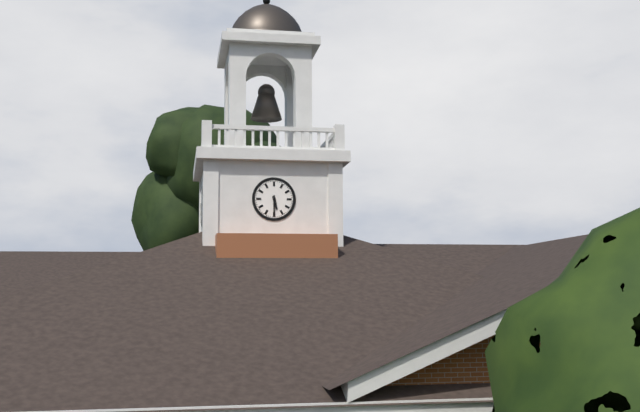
5:30
